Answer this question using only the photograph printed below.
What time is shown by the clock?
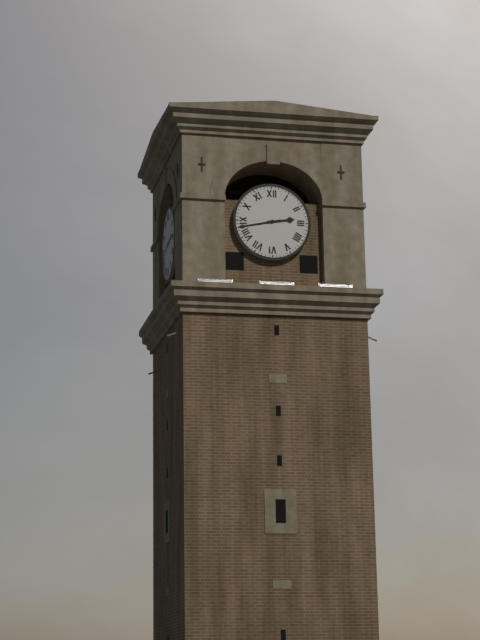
2:43
